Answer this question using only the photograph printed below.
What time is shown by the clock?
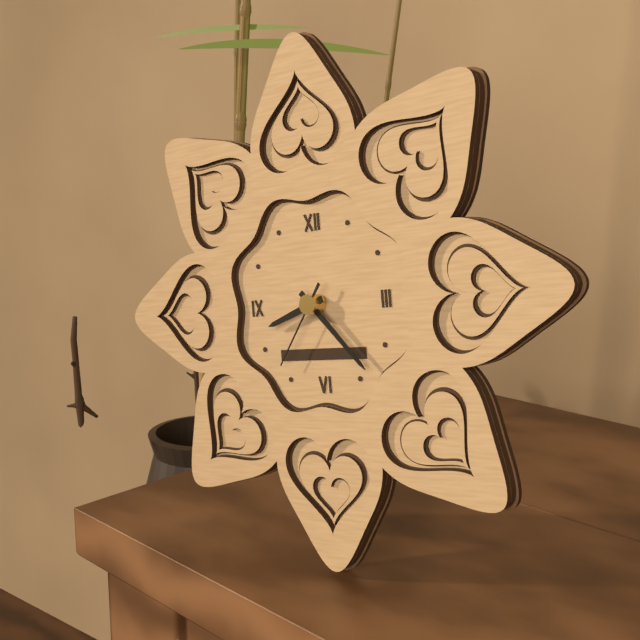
8:23:36
